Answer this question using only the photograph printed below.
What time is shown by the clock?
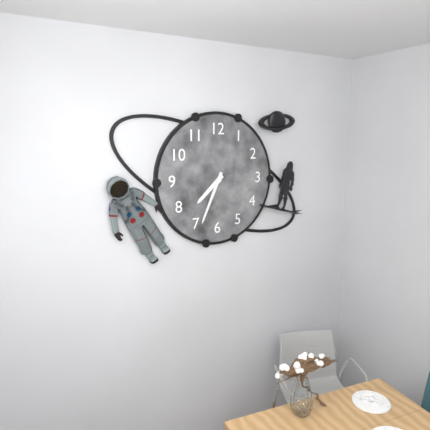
7:34
